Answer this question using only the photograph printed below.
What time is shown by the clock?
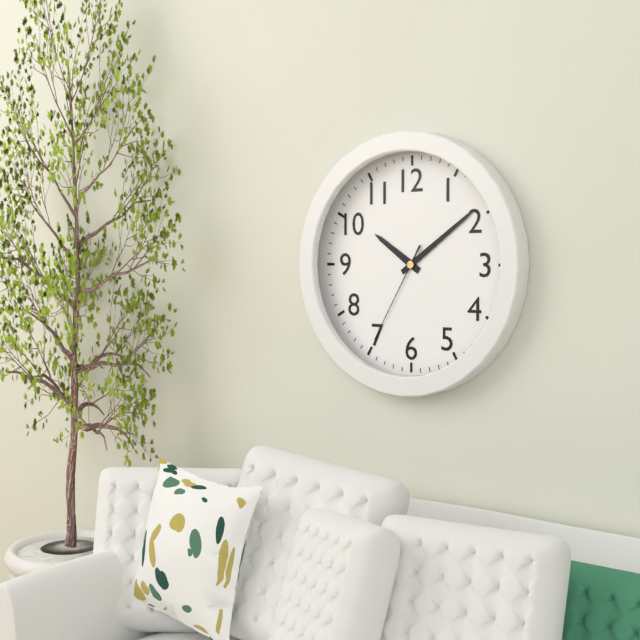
10:09:35
